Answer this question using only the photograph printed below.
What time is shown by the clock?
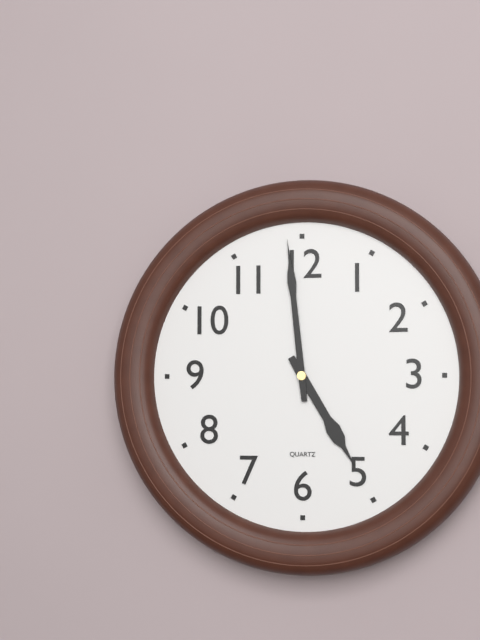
4:59
